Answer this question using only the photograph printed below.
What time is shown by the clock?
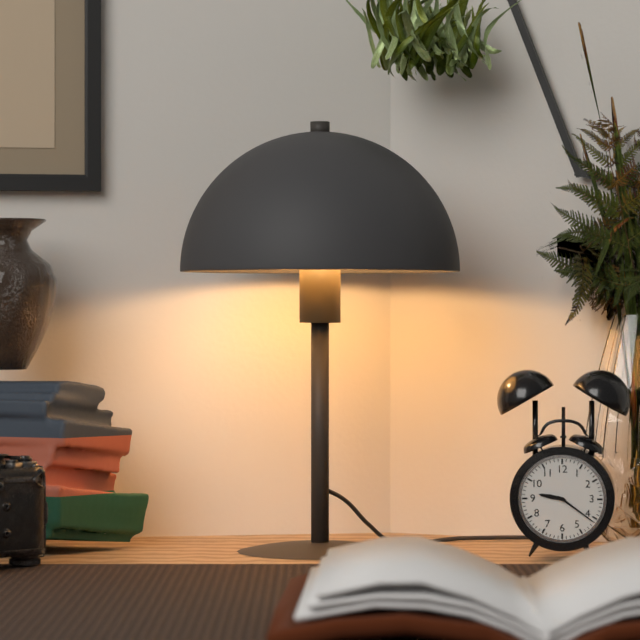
9:21
